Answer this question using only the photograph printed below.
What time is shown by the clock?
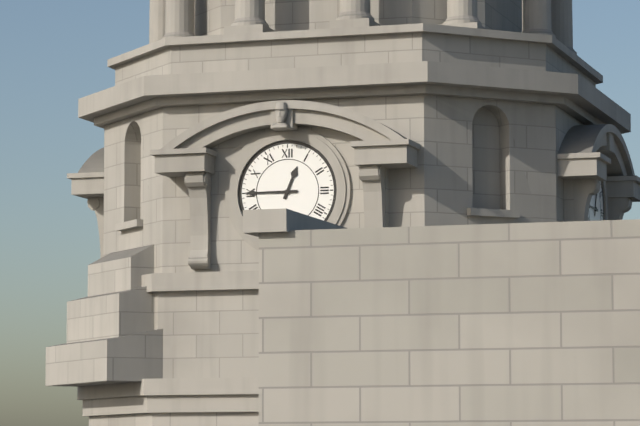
12:45
